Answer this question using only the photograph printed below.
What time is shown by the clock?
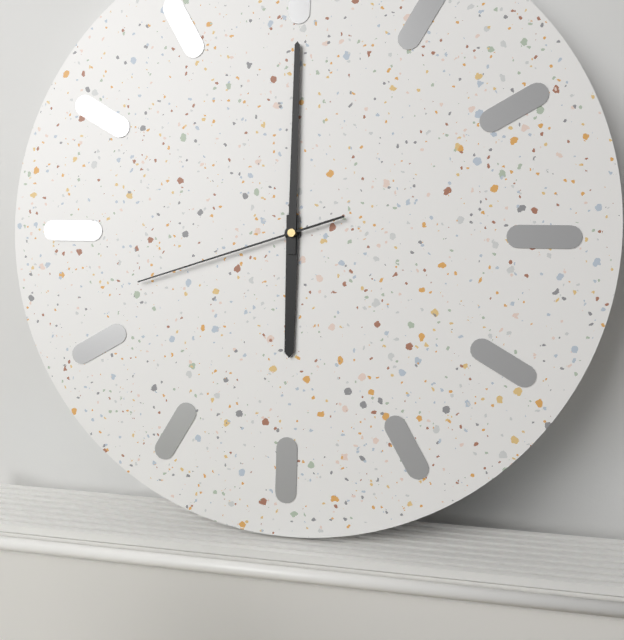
6:00:42
